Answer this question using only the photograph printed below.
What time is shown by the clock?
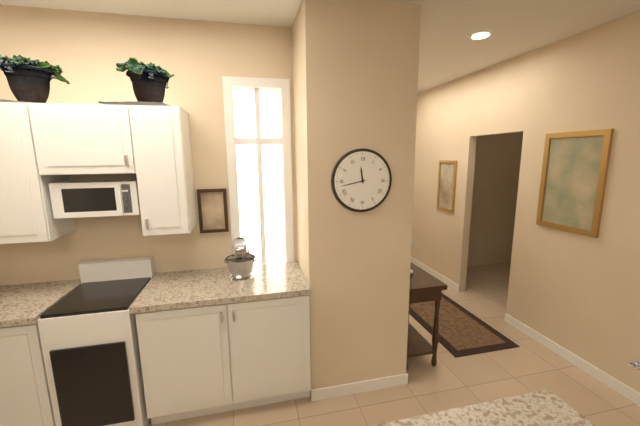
11:43
